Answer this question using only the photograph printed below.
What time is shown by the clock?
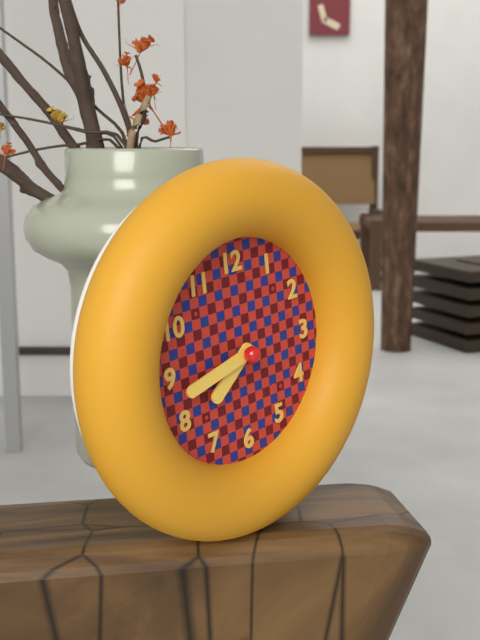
7:43
